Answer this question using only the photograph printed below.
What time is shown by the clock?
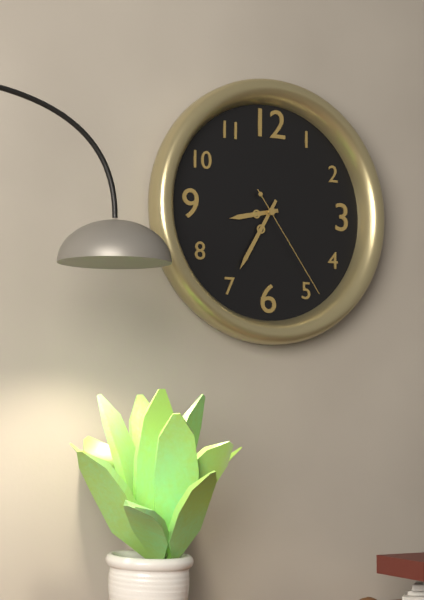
8:35:24
